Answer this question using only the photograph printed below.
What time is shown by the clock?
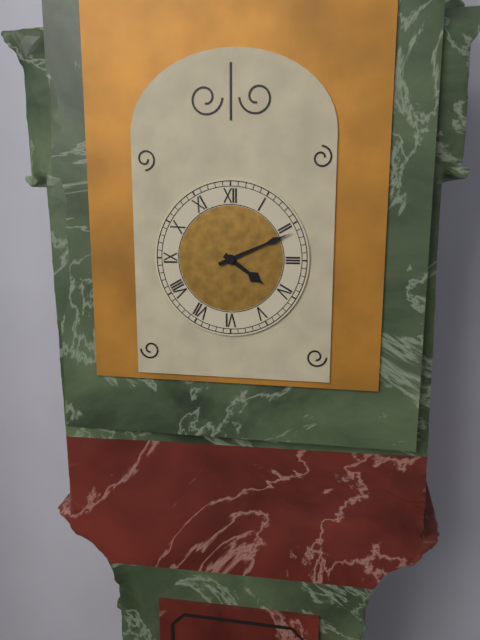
4:11
